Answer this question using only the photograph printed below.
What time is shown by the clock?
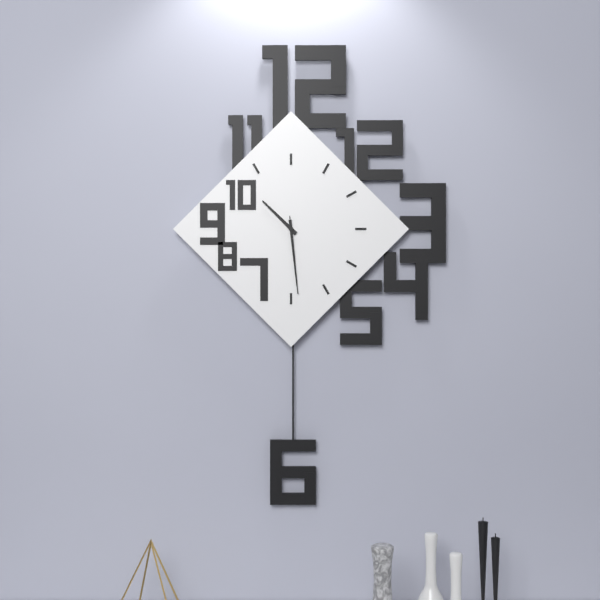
10:29:29
